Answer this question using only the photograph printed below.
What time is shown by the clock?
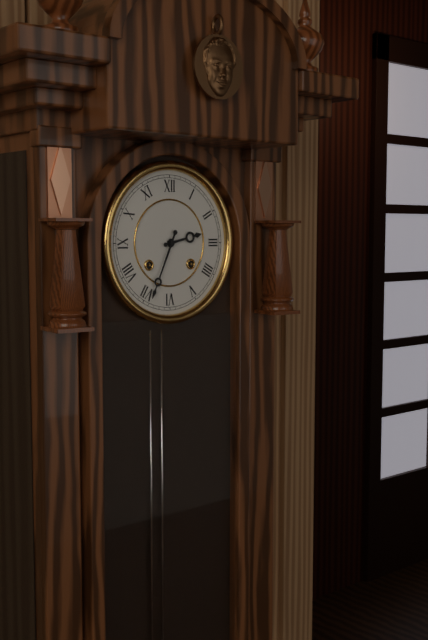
2:34
